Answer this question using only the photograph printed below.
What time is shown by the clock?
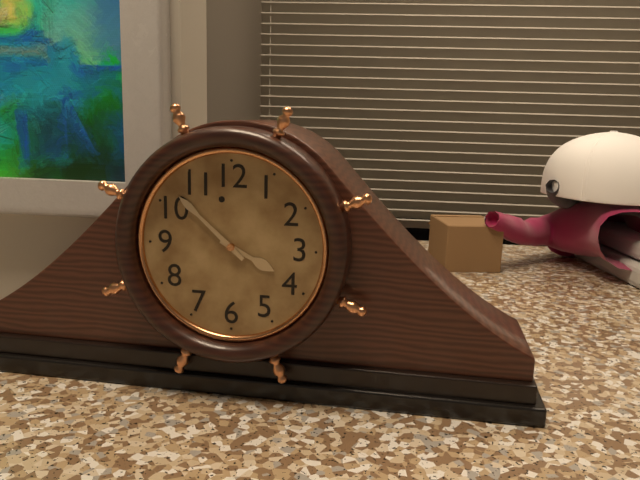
3:52
